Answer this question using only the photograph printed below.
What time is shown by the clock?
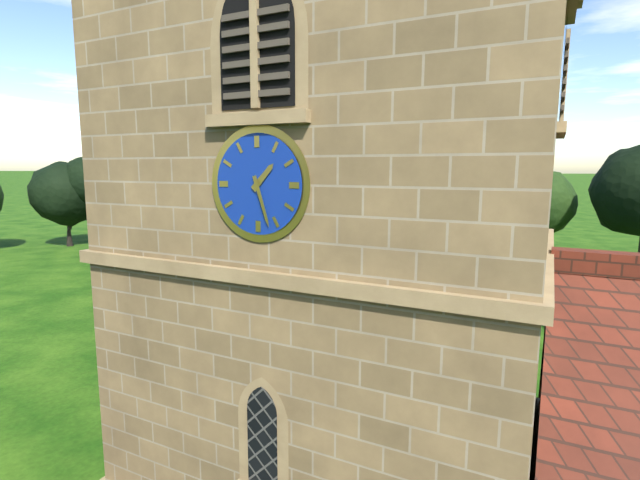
1:27
